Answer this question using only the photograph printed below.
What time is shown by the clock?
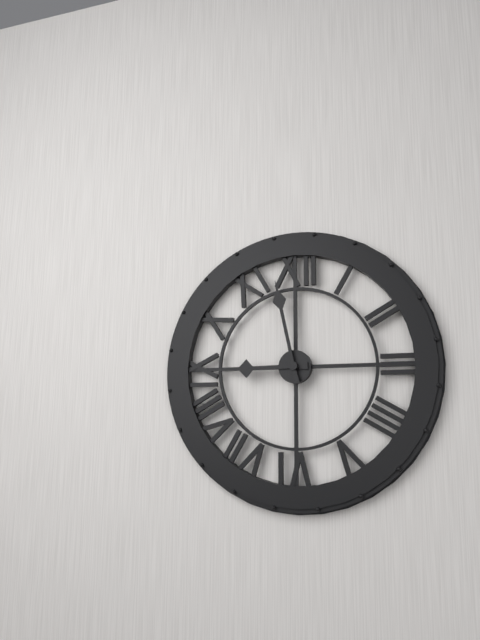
8:58
